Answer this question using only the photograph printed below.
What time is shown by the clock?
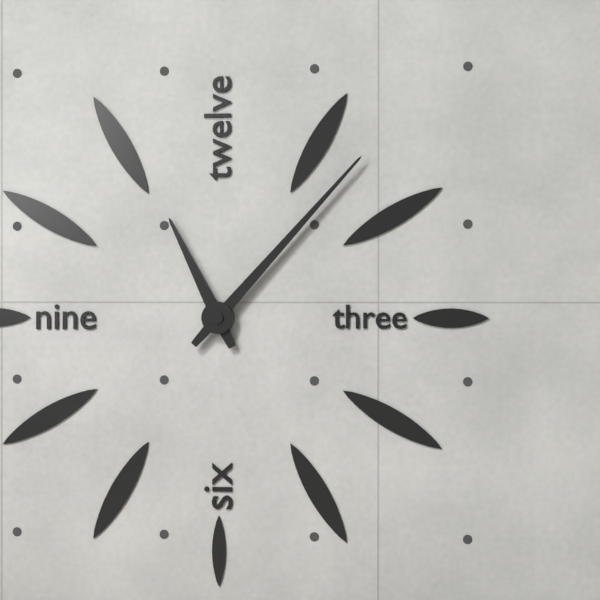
11:07
